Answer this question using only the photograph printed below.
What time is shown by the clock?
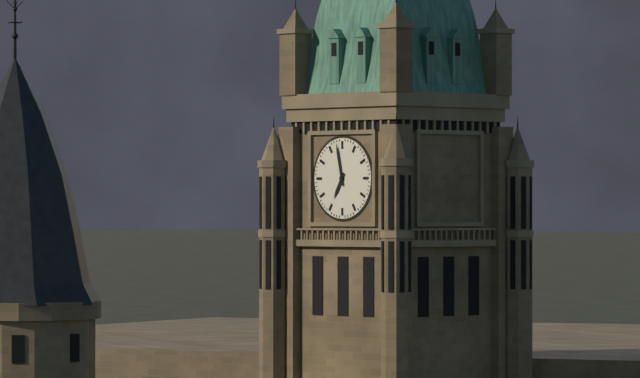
6:58
